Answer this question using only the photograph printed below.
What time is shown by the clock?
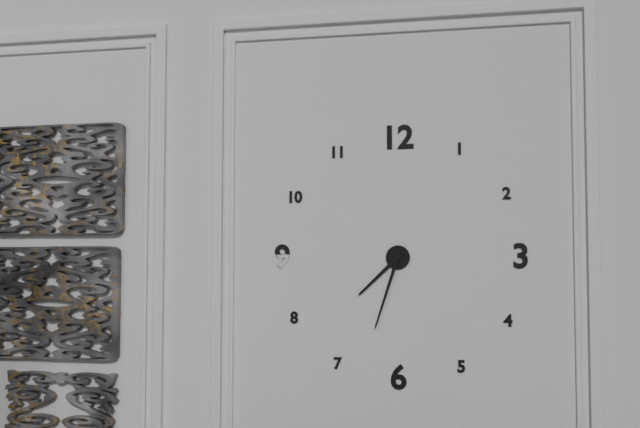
7:33
